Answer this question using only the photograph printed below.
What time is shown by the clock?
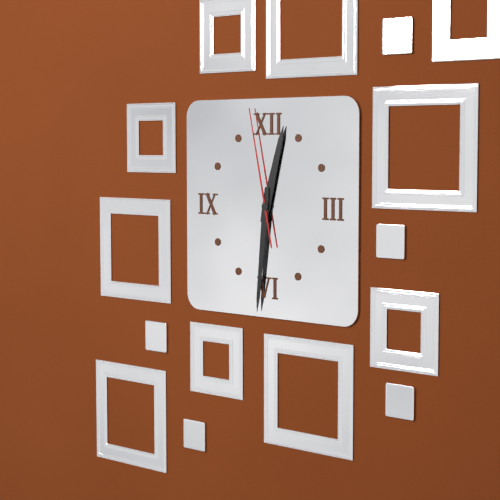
12:31:58
